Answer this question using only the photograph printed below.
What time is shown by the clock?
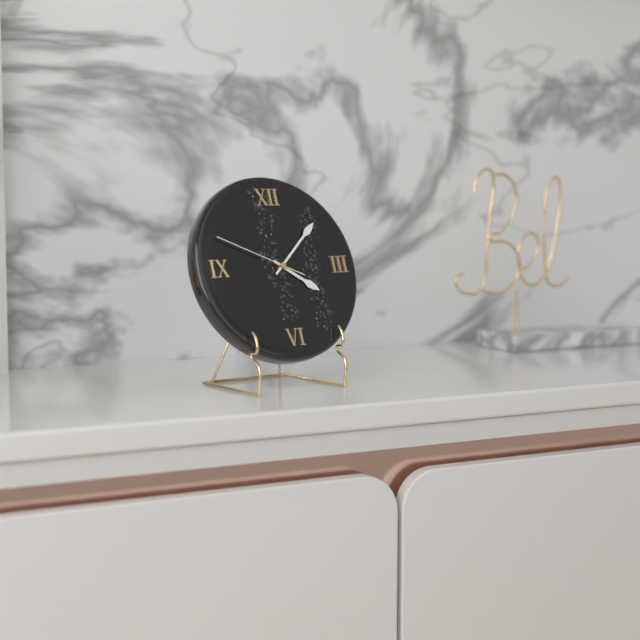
4:08:49
